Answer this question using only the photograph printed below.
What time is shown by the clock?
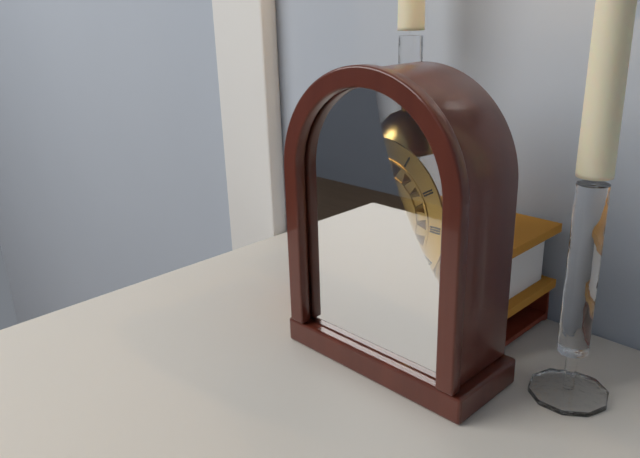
9:20
